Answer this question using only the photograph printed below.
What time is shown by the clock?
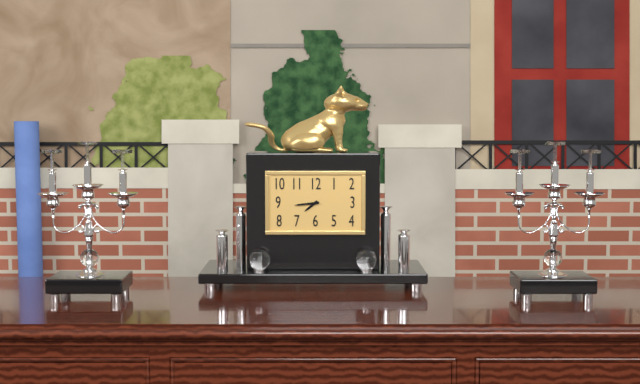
7:44
